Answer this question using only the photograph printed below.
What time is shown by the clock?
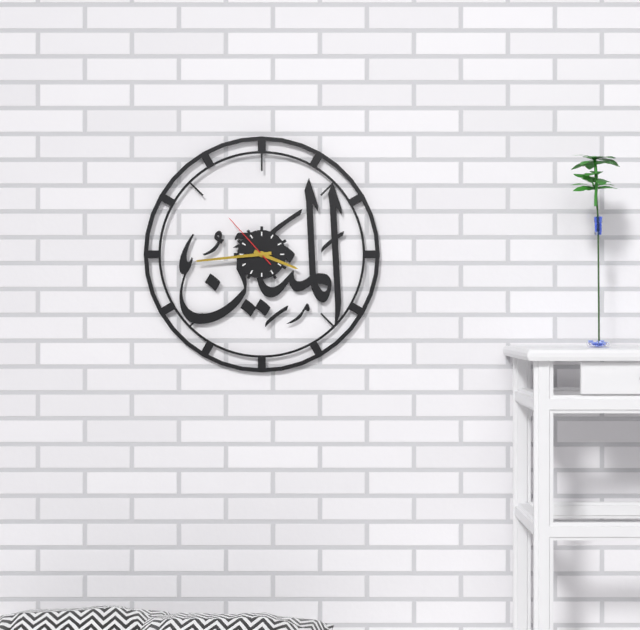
3:44:53
